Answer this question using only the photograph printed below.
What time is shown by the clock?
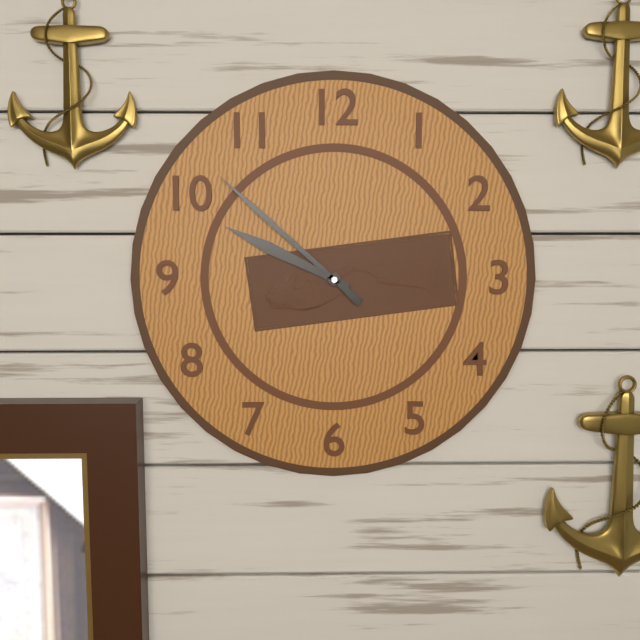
9:52
